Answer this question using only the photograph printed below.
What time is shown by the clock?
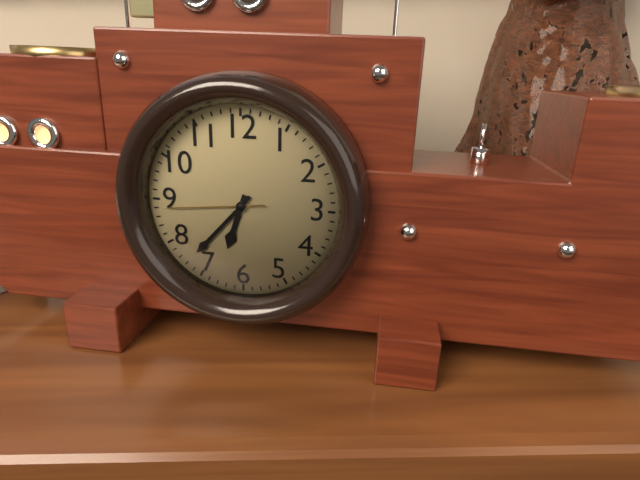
6:37:44
